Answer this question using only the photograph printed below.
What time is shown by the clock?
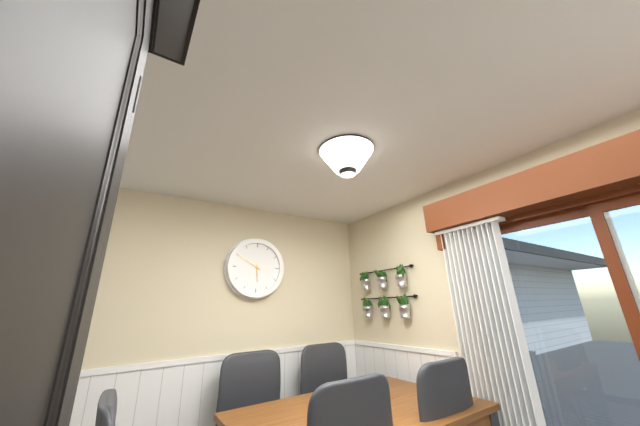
5:50
